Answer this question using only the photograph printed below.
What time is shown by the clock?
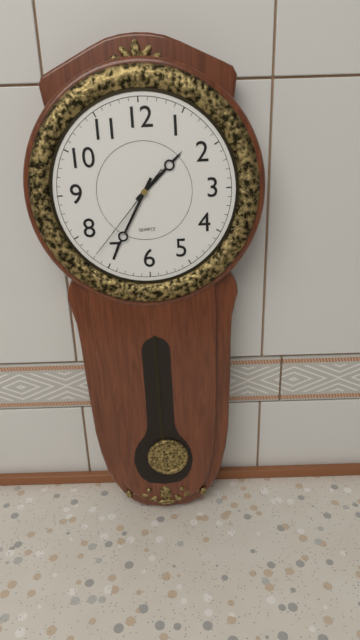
1:35:37
